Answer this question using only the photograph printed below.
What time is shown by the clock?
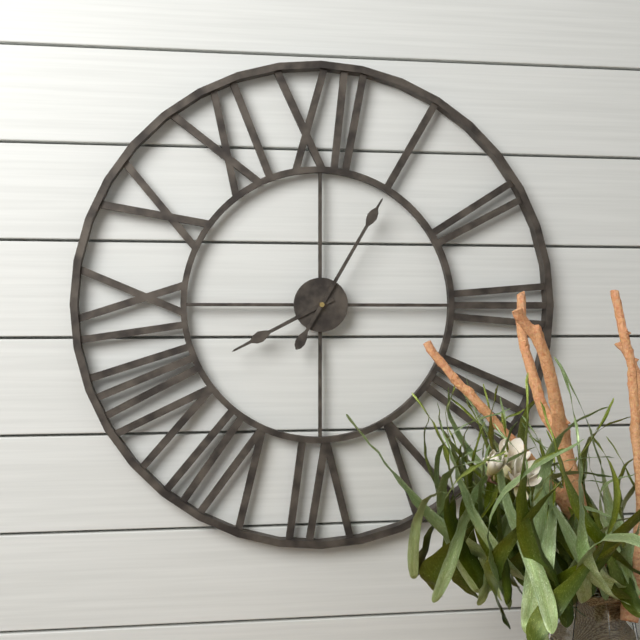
8:05
